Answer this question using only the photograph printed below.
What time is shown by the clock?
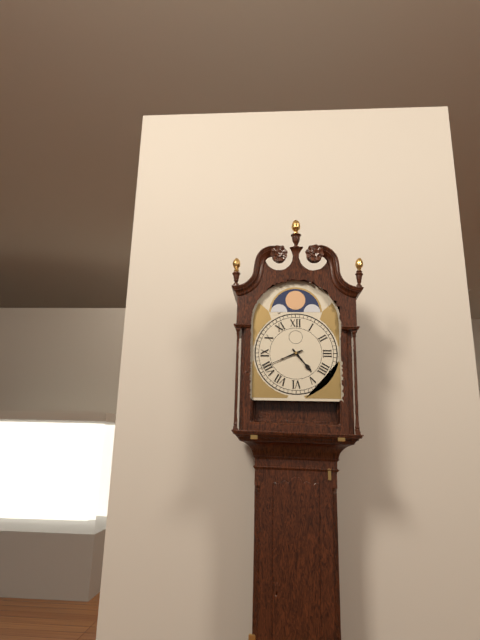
4:41
